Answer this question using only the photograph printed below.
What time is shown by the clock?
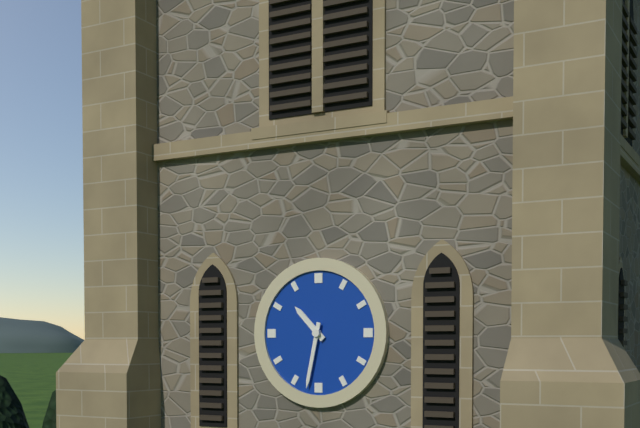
10:32
